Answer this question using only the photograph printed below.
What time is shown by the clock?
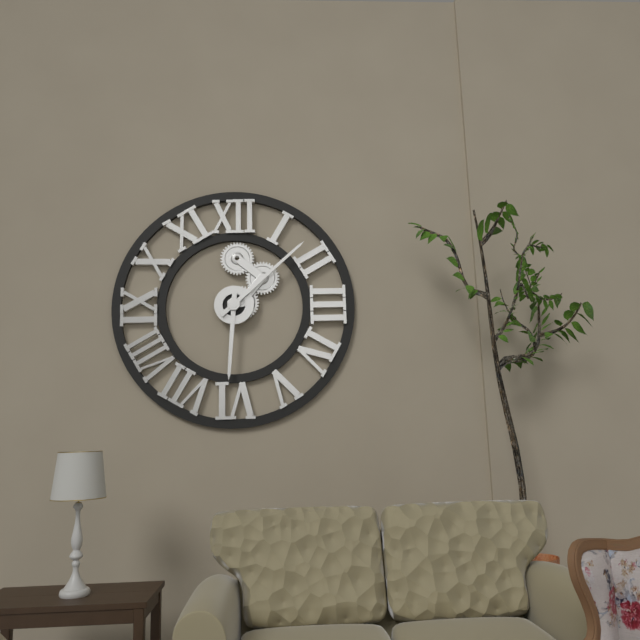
6:08
